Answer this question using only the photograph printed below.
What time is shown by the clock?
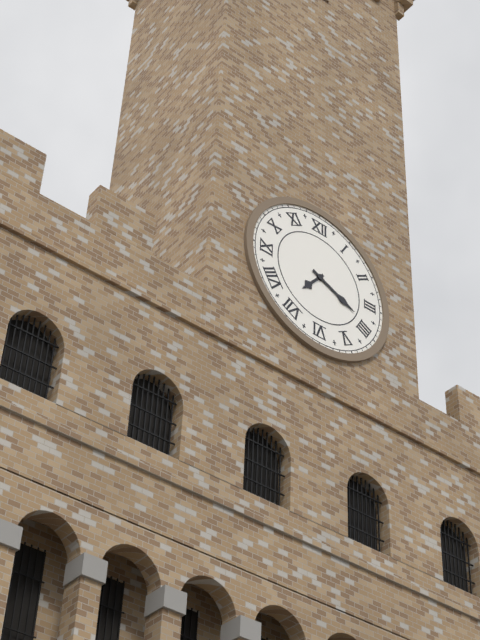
7:19
